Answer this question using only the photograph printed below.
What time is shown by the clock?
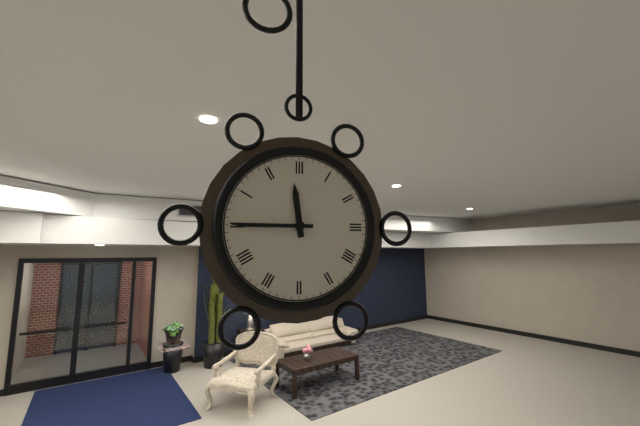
11:45
